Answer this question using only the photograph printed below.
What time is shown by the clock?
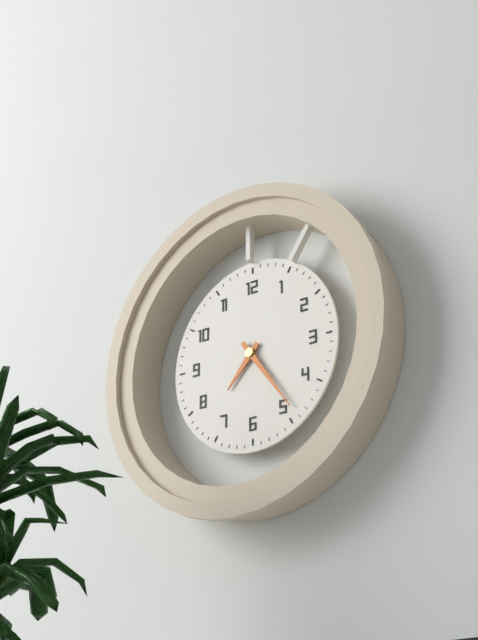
7:24
